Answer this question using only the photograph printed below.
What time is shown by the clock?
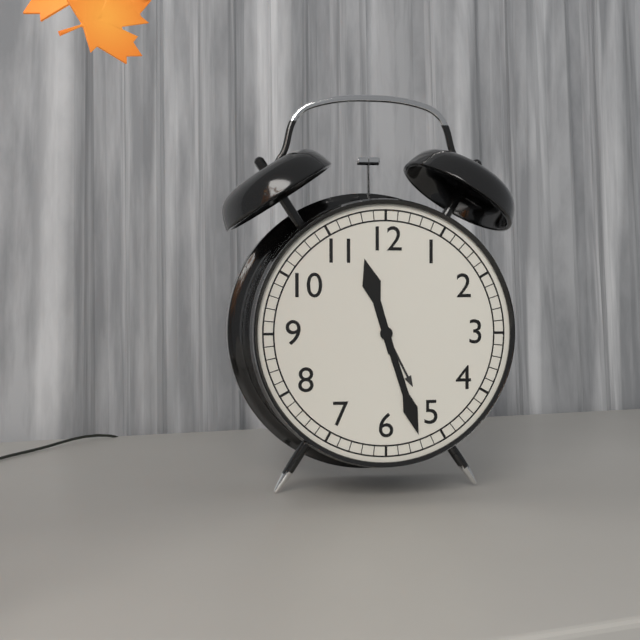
11:27
